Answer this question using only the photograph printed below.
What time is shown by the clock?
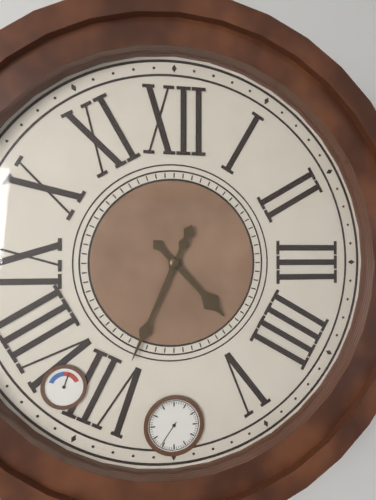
4:34
